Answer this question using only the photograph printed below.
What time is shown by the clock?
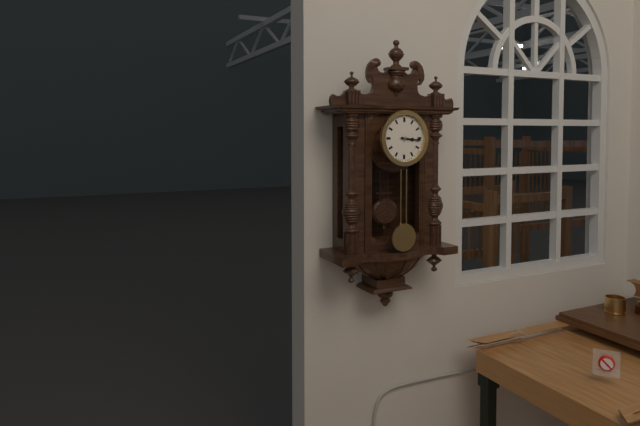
3:16
